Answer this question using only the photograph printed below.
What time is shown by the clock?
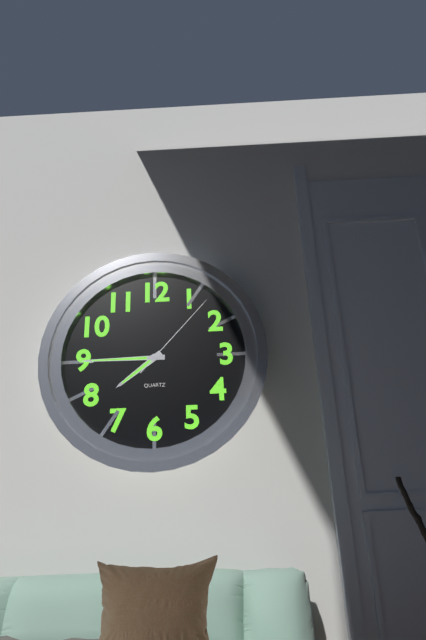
7:45:07
